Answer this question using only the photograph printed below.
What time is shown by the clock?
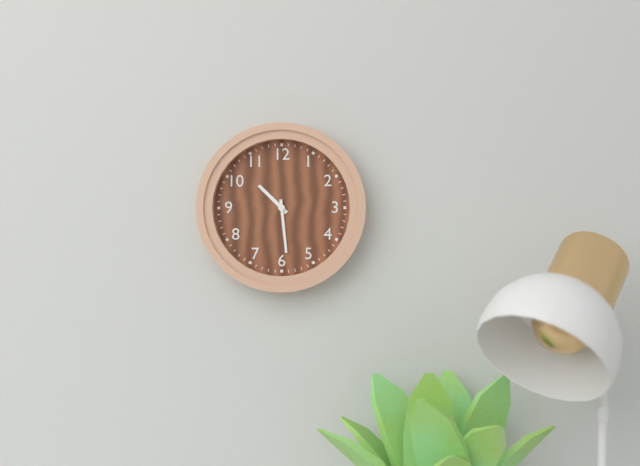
10:29
